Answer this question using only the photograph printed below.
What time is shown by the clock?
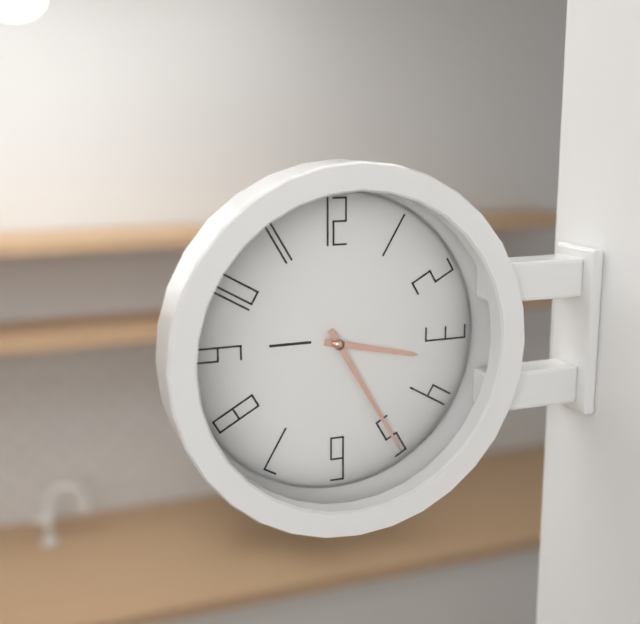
3:25
